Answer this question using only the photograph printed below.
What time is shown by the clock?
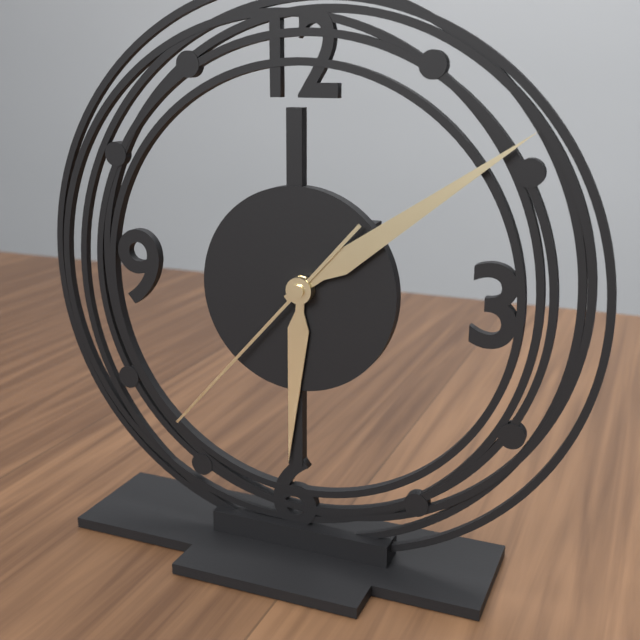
6:09:37
